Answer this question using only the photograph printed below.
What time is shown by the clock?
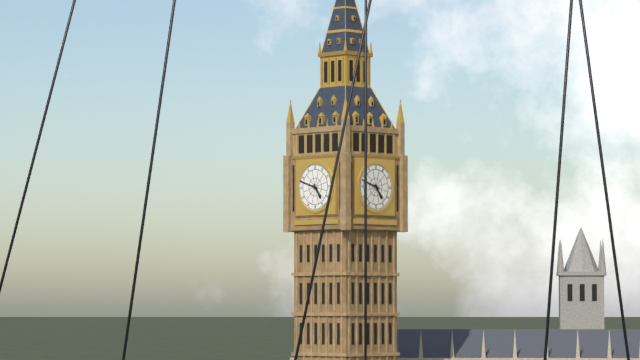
4:48
